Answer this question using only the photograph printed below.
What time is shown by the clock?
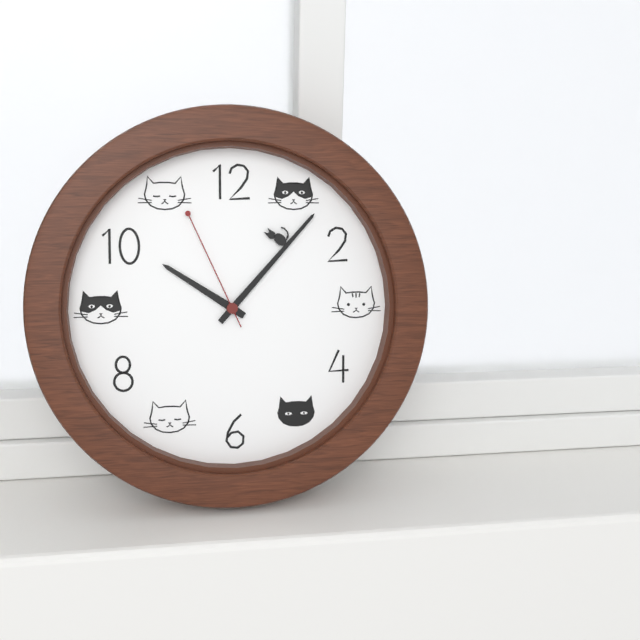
10:07:56
